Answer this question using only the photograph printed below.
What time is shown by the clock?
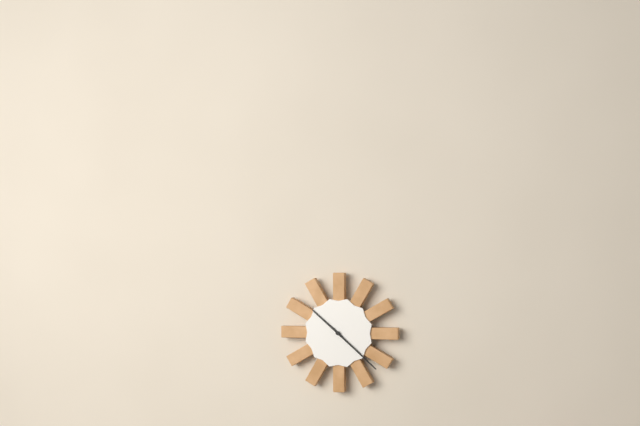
10:22
